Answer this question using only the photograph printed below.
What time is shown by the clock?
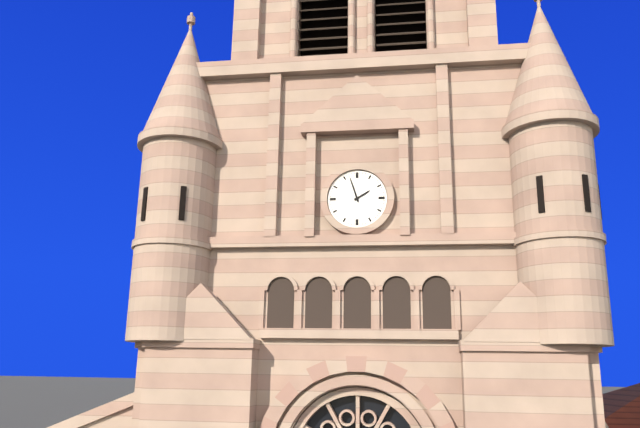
1:57
